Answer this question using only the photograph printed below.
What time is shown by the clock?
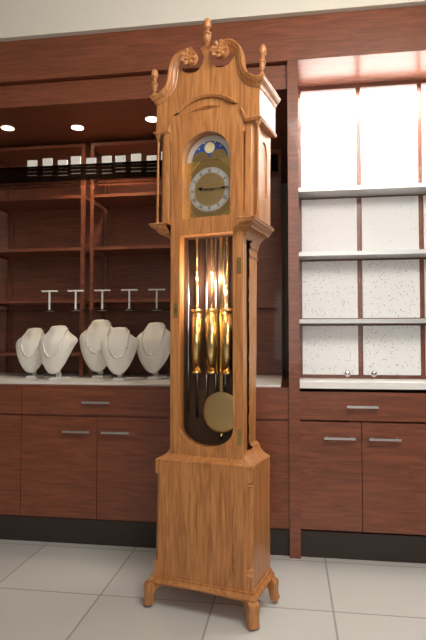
9:15
